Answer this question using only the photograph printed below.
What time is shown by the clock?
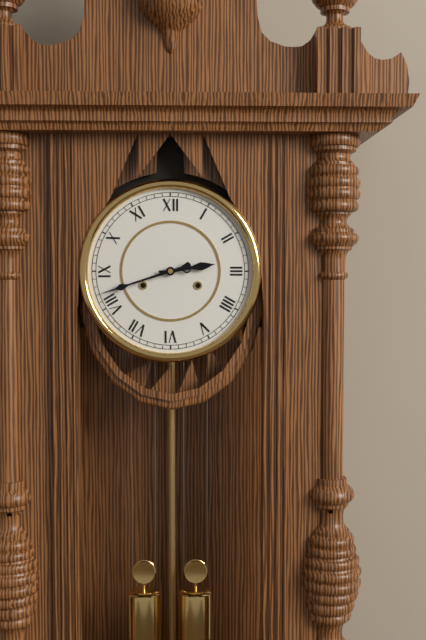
2:42
